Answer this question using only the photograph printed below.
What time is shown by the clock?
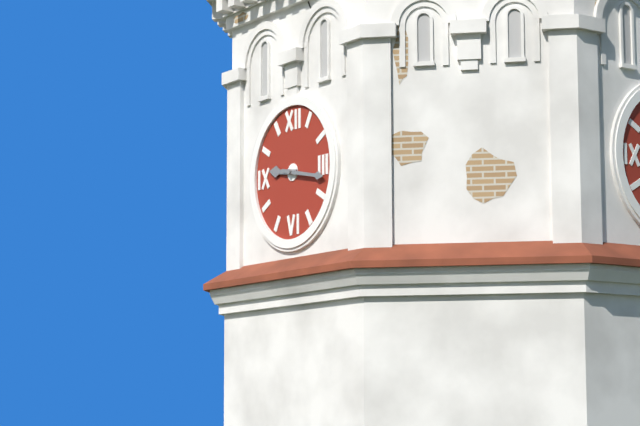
9:17
